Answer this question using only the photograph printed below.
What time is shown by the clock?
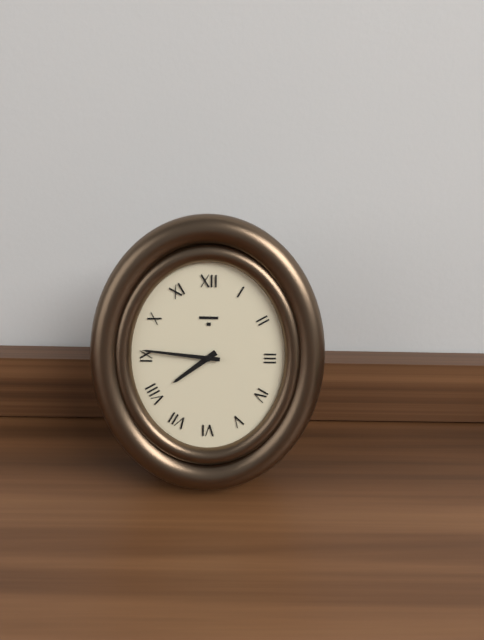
7:46
